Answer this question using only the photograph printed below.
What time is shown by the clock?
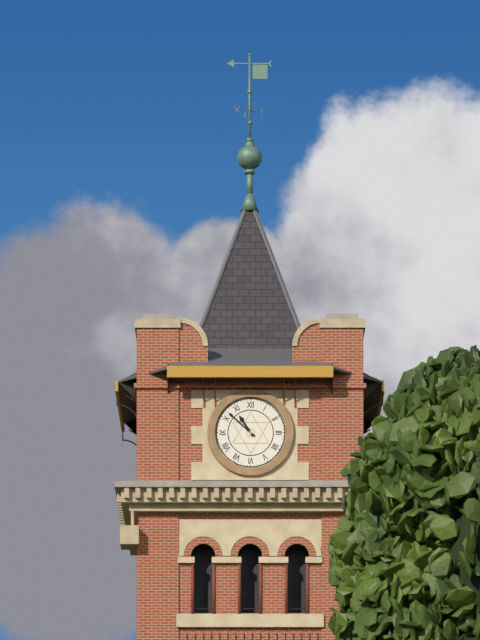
10:52
